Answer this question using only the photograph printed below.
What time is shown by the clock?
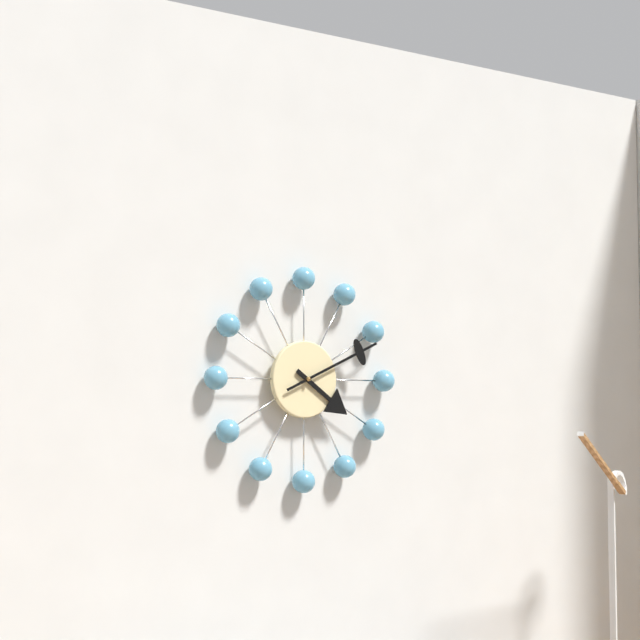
4:11
